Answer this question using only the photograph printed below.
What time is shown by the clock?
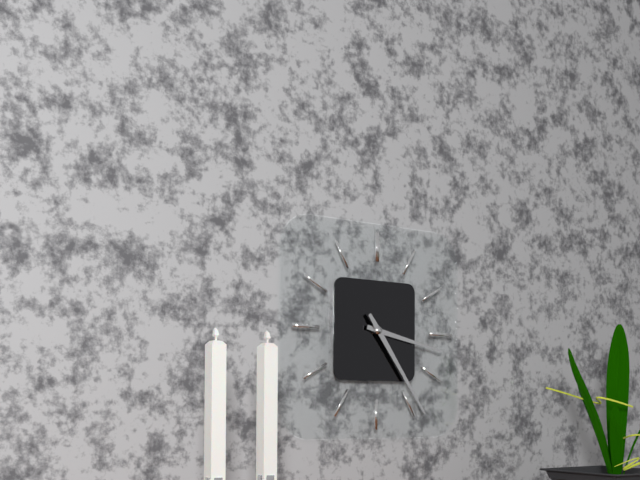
3:24
